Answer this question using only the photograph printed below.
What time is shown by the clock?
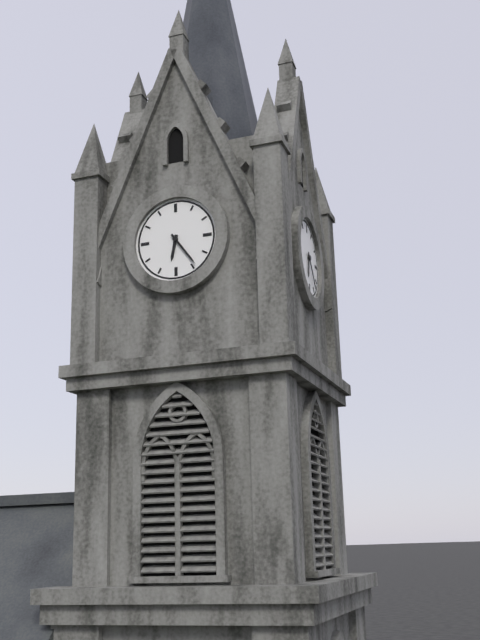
6:24
